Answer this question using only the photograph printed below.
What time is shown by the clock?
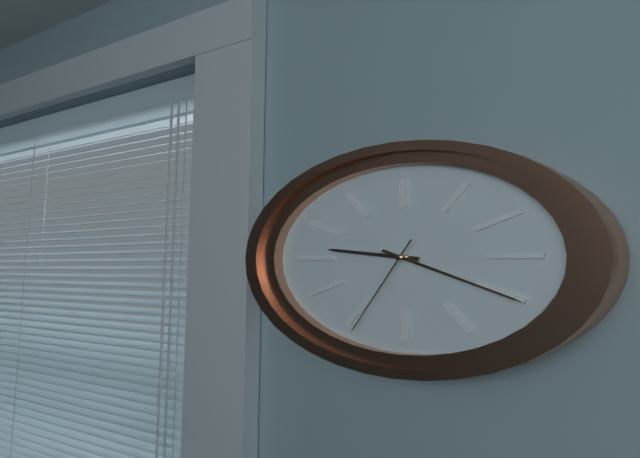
9:20:34
